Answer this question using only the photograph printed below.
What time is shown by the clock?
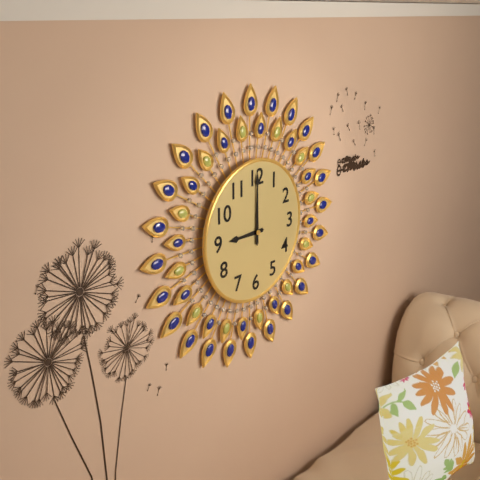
9:00
